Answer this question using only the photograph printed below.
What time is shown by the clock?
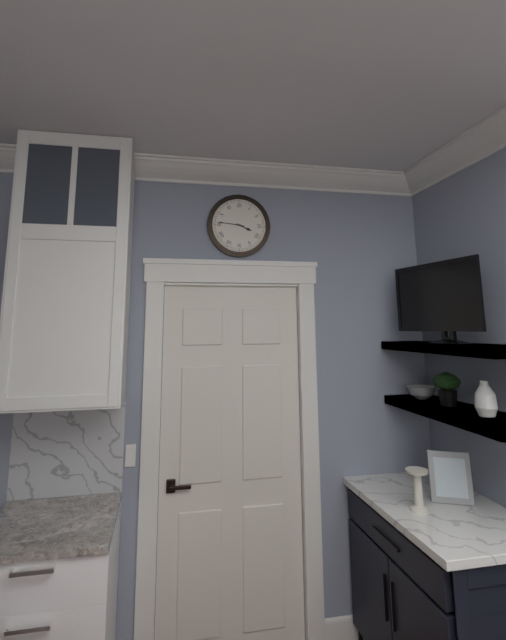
3:46
